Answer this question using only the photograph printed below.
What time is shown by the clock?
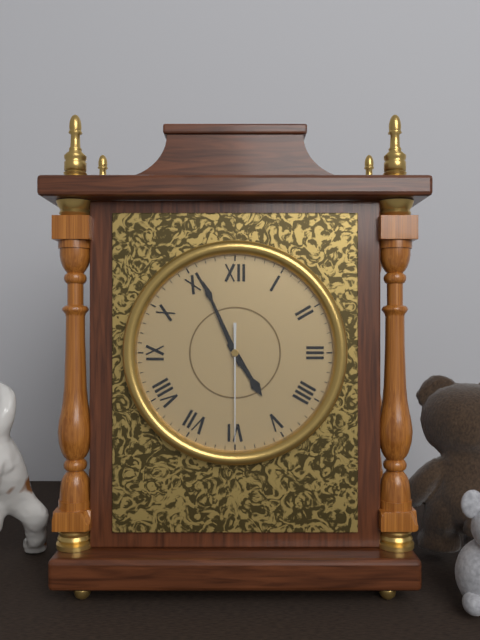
4:56:30
